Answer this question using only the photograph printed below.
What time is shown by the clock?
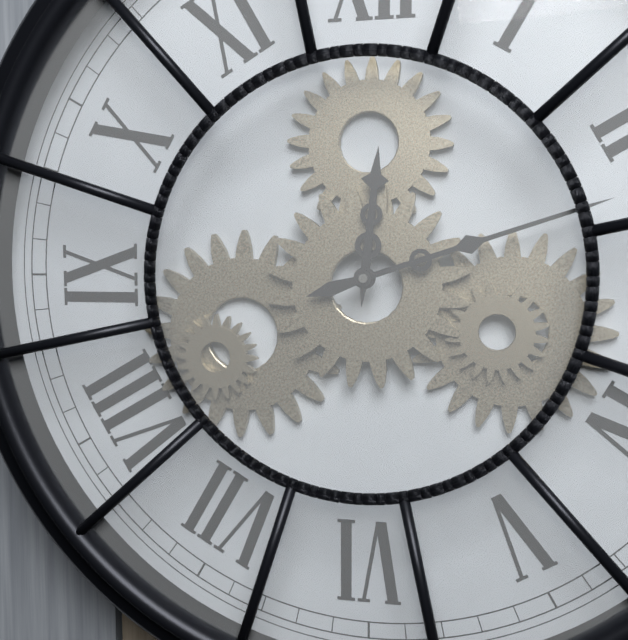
12:12
